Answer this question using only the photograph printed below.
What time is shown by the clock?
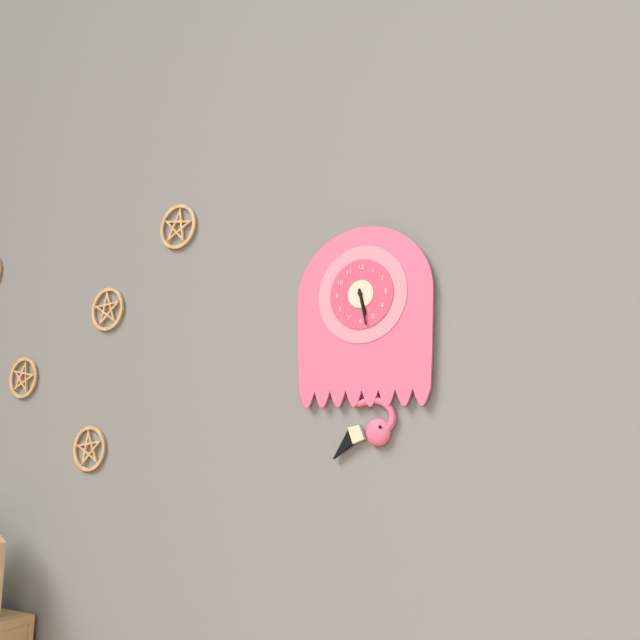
5:28
